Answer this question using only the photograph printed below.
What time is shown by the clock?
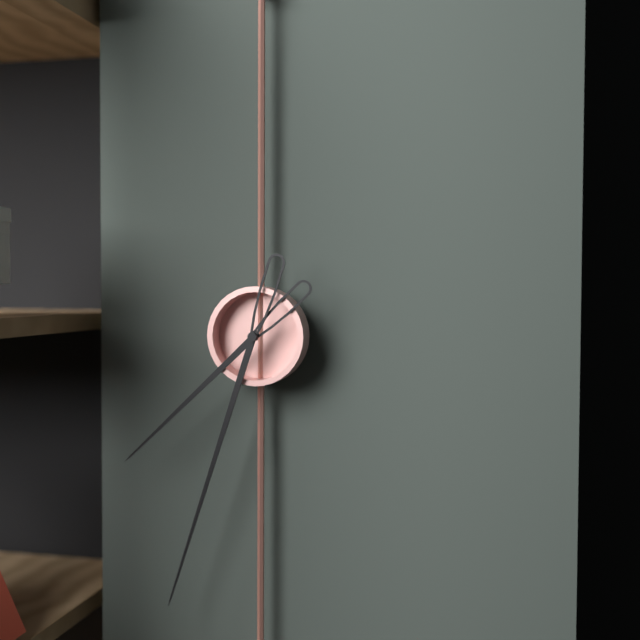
7:33
